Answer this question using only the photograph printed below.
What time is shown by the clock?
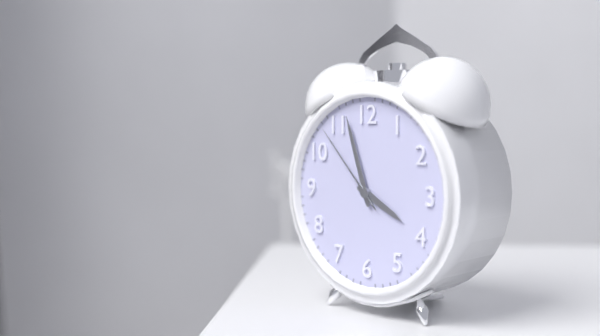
3:57:53
